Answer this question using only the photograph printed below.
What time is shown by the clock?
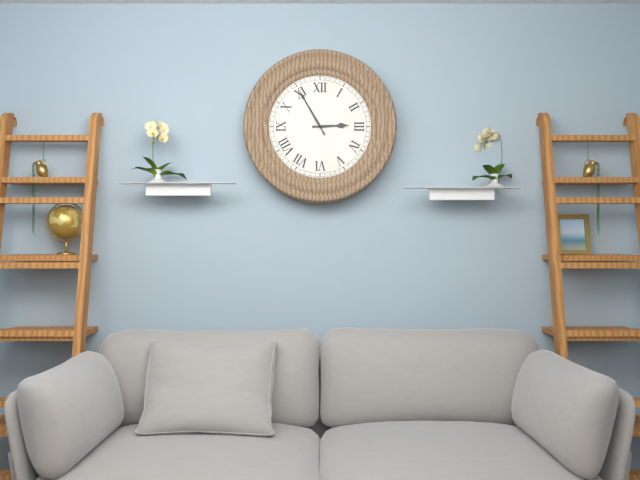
2:55
